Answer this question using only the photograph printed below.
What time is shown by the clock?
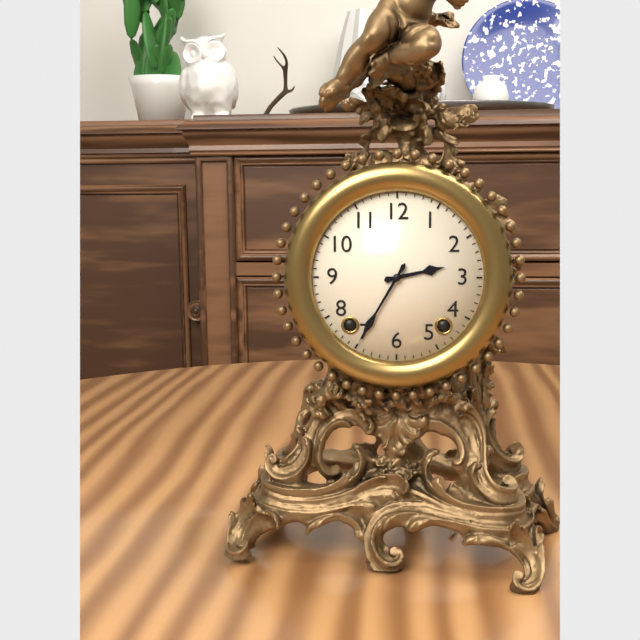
2:35
